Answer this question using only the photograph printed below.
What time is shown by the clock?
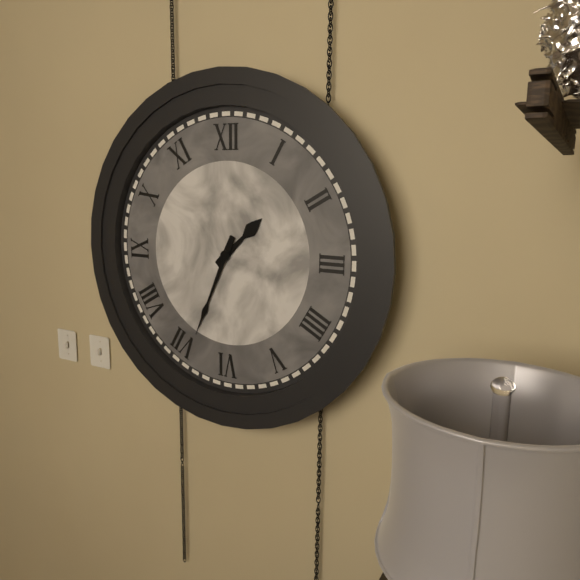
1:34
